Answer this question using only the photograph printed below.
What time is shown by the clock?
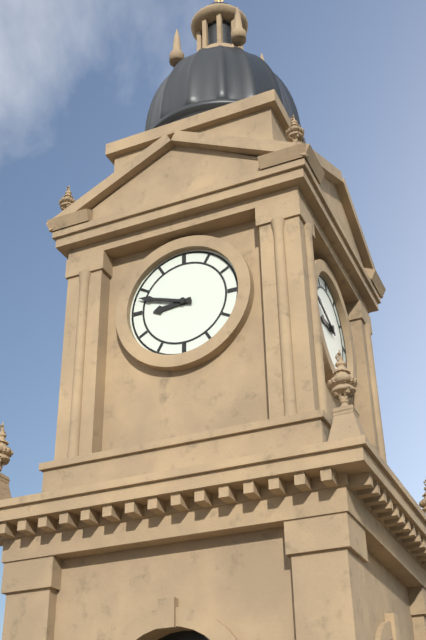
8:48
